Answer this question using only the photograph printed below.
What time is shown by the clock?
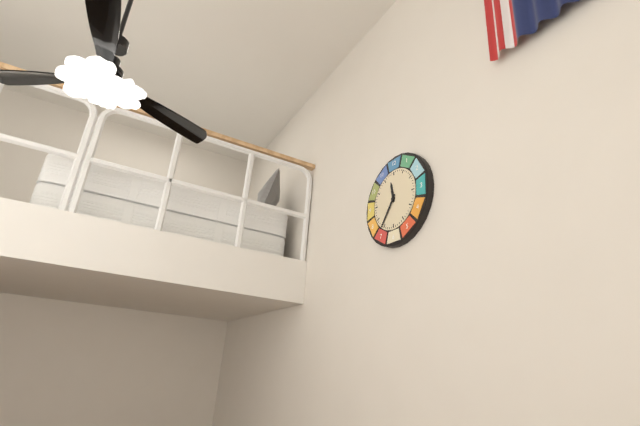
11:36
